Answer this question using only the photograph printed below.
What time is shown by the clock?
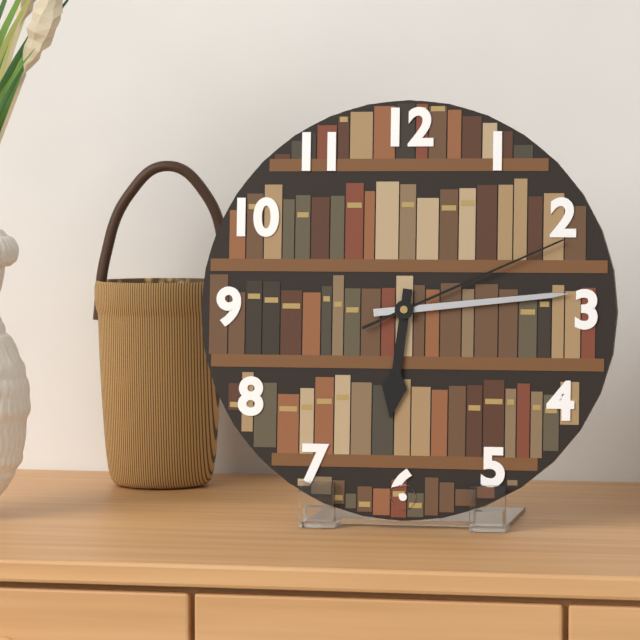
6:14:11
